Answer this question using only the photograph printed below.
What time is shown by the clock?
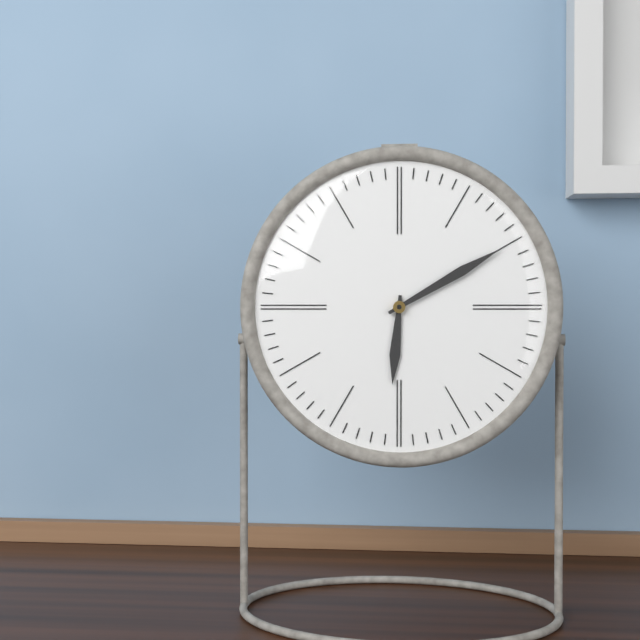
6:10
